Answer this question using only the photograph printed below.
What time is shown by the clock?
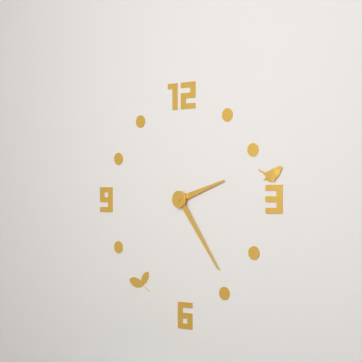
2:24
